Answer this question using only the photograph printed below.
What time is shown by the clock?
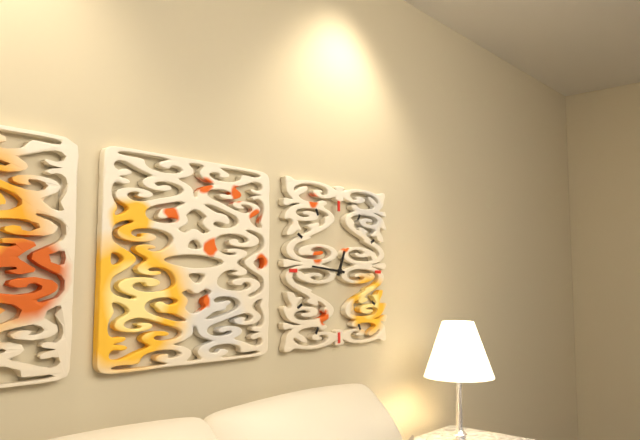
12:46
